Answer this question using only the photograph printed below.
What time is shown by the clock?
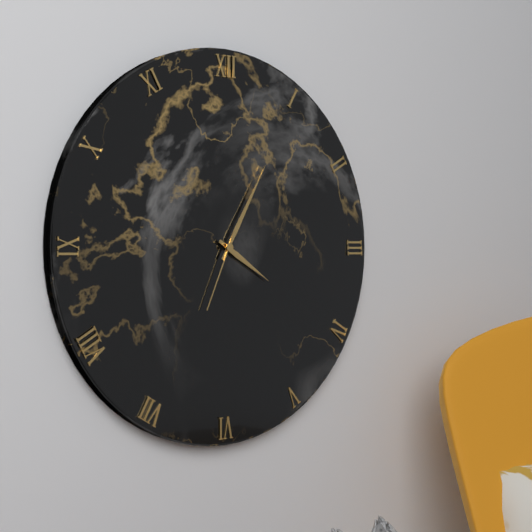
4:05:34
